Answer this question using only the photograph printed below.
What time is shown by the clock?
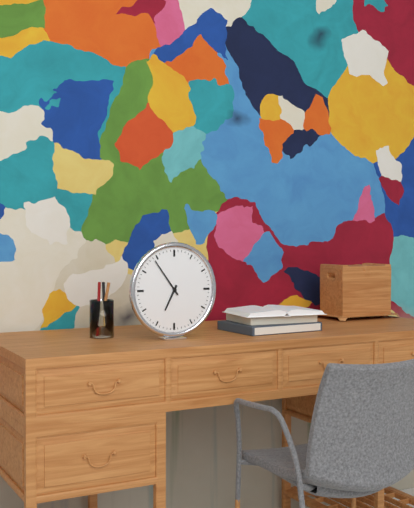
6:54
